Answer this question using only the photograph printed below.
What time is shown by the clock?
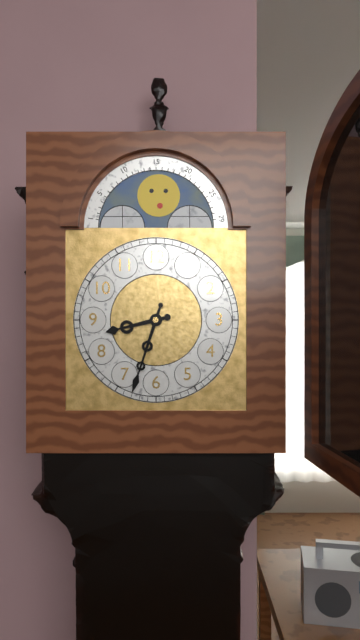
8:33
